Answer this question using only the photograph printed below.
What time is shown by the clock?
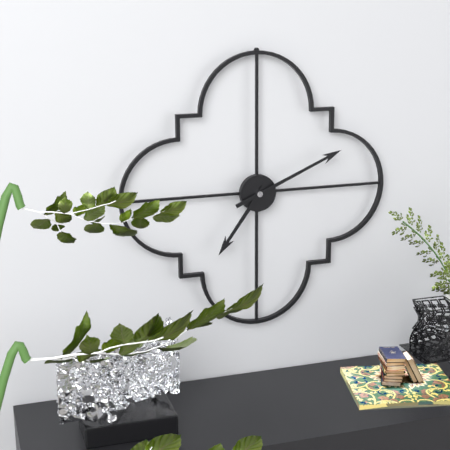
7:11
